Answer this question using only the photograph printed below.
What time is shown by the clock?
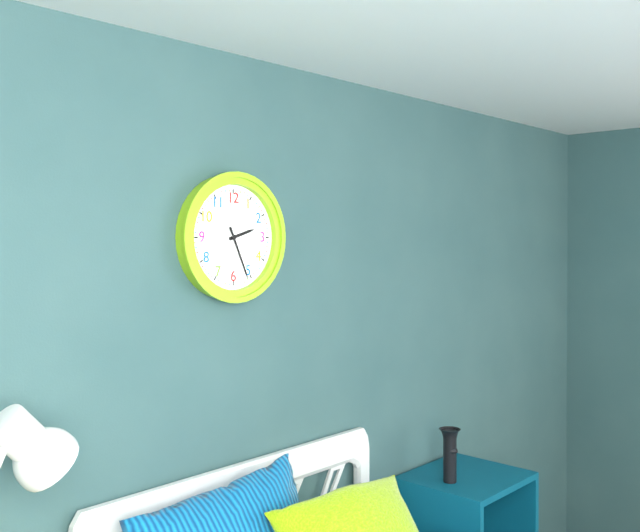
2:26
